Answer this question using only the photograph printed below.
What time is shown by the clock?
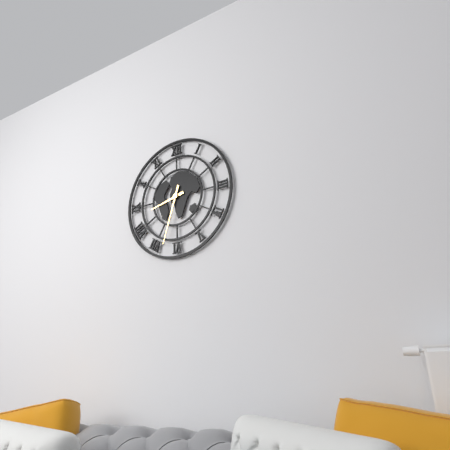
8:33
